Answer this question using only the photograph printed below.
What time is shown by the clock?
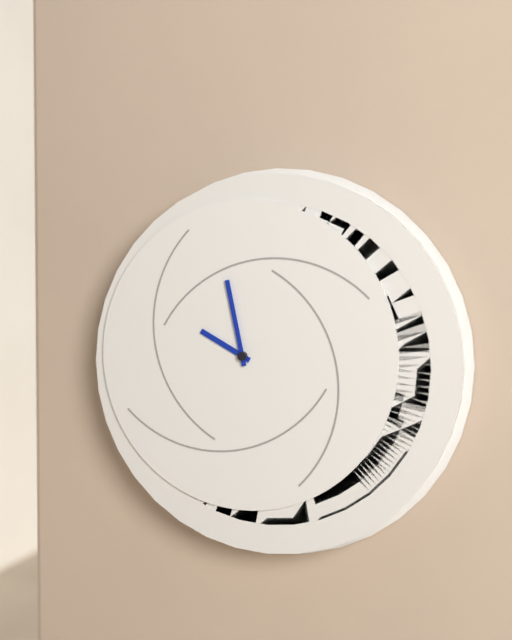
9:58
